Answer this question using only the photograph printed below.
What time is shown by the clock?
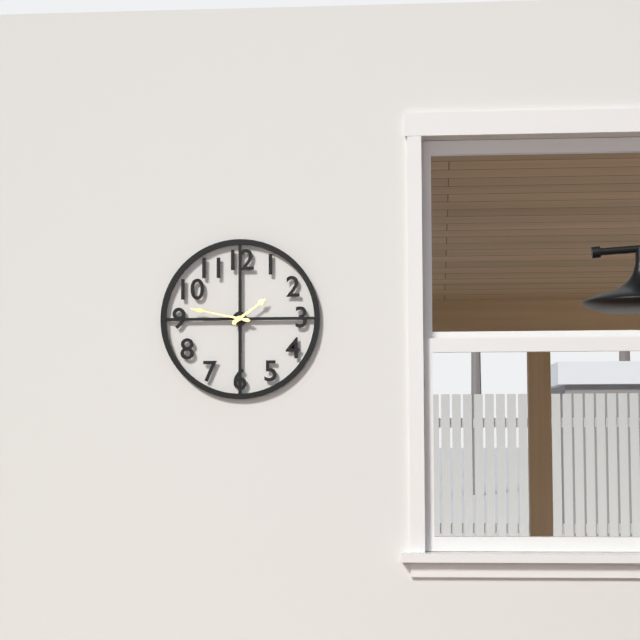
1:47
